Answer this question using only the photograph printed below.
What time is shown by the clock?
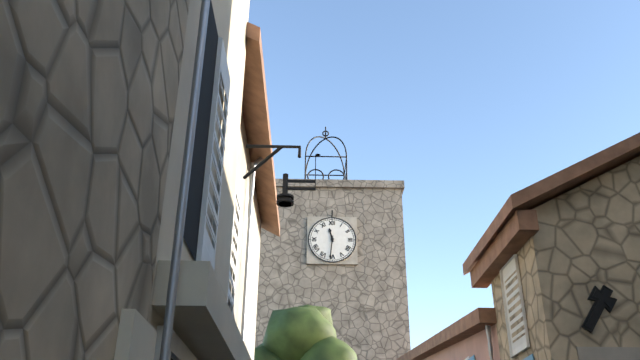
11:31
